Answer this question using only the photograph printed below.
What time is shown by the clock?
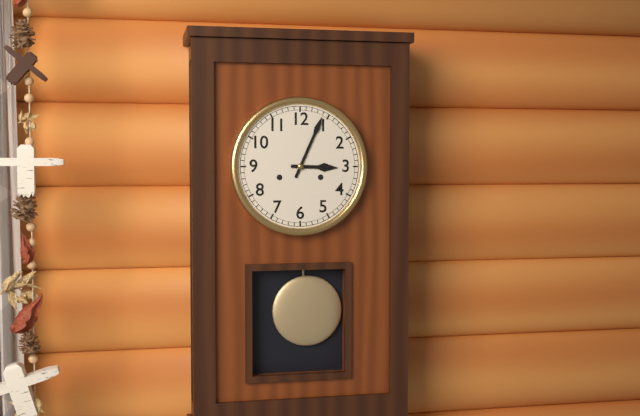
3:04
